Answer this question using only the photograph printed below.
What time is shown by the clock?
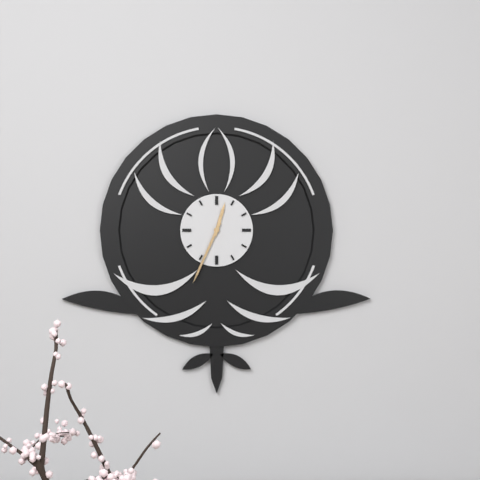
12:34
